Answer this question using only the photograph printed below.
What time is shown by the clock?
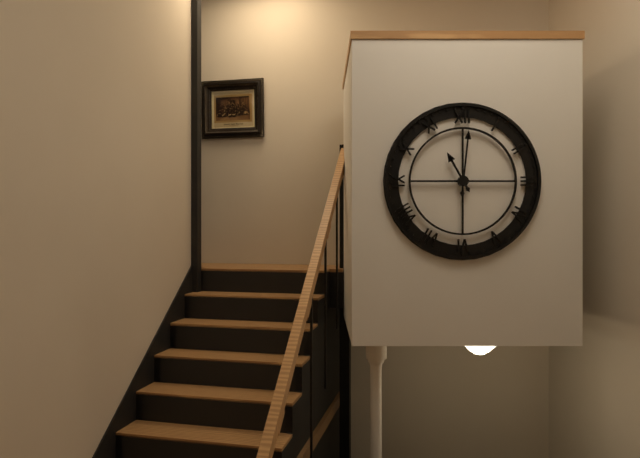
11:01
